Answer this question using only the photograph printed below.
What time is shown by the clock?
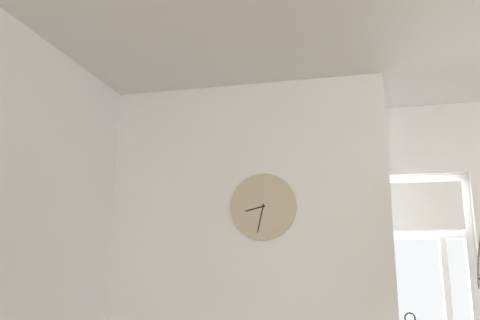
8:32
